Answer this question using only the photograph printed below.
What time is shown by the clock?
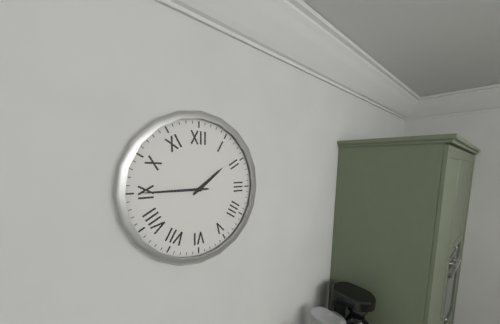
1:45
